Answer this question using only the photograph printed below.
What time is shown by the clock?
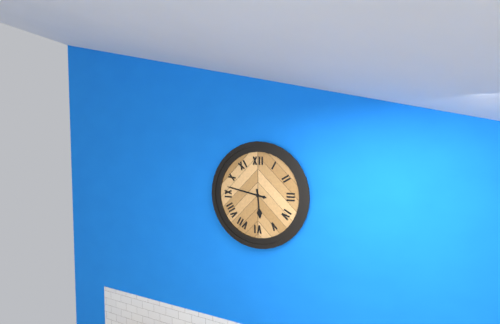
5:47
